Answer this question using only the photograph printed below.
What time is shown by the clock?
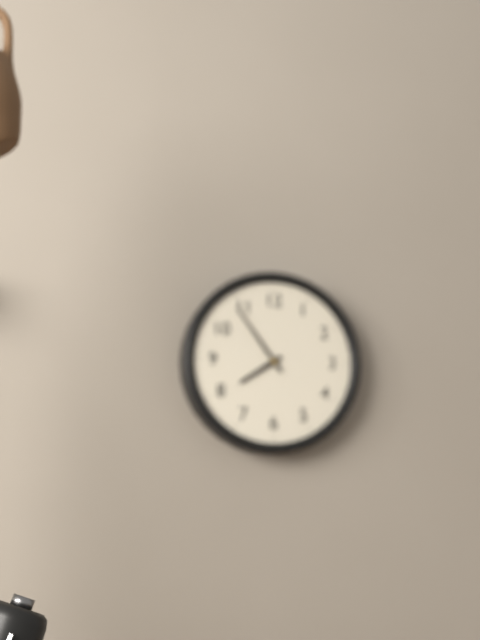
7:54
